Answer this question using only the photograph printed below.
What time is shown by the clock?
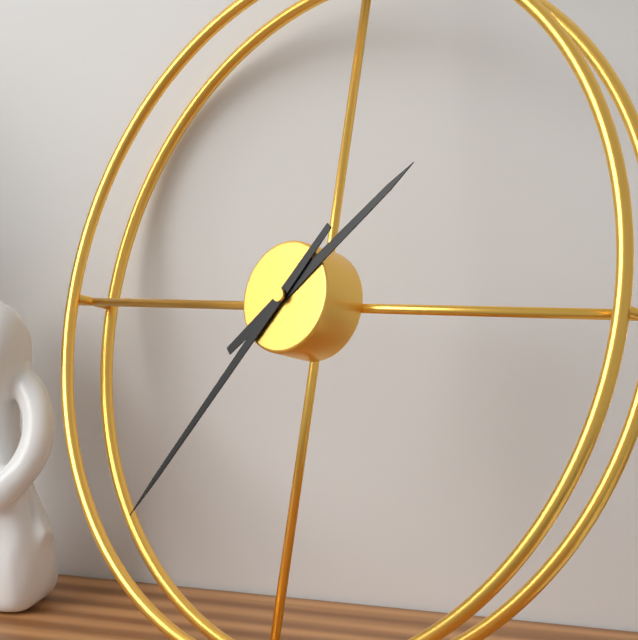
1:36
